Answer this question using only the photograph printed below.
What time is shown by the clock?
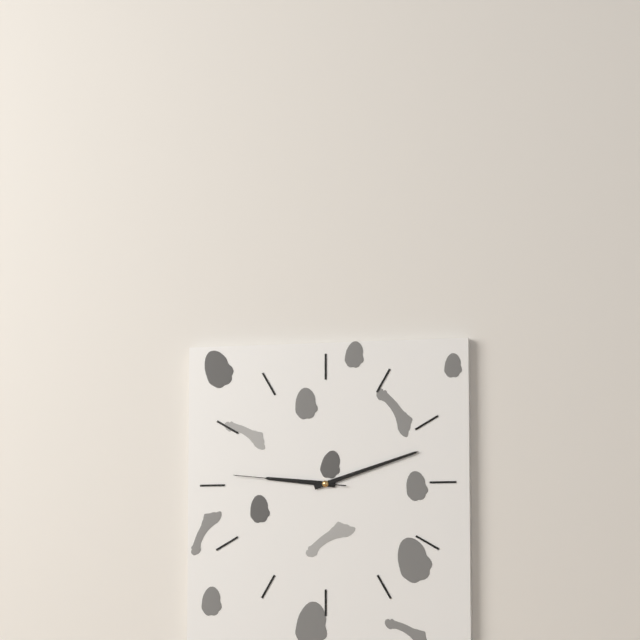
9:12:46
